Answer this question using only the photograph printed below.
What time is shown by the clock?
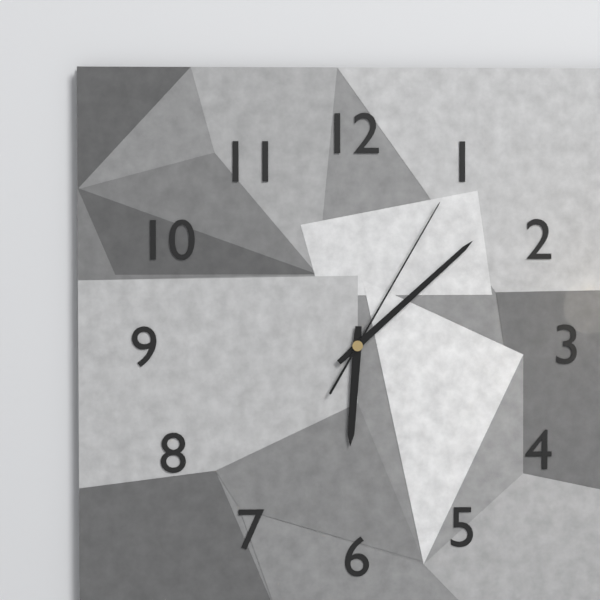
6:08:05
